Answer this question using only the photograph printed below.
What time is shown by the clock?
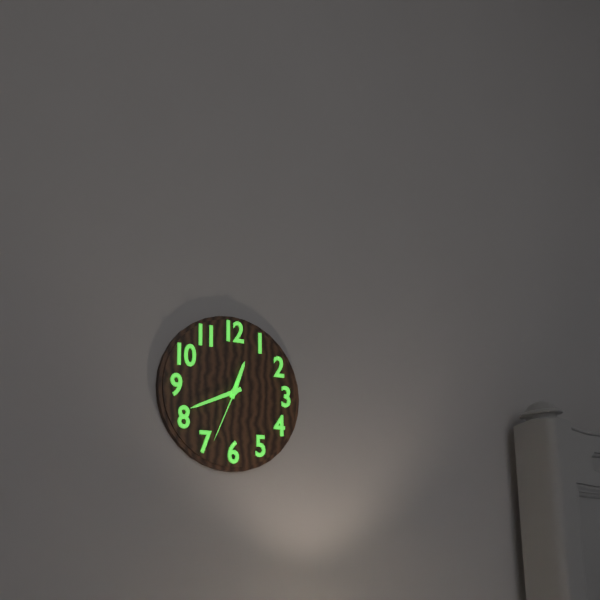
12:41:34
